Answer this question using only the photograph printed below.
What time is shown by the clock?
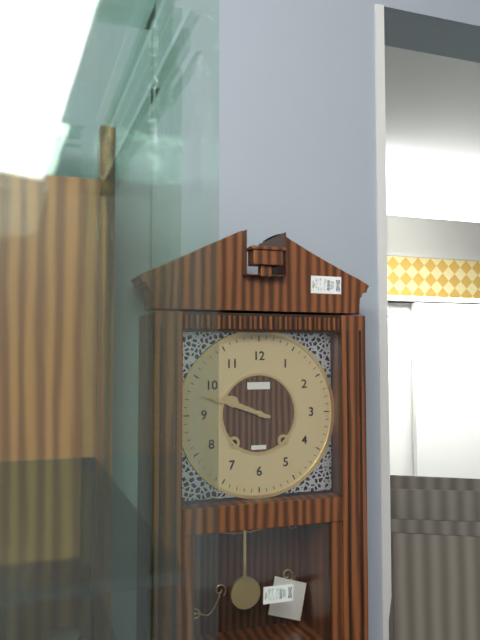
9:48
